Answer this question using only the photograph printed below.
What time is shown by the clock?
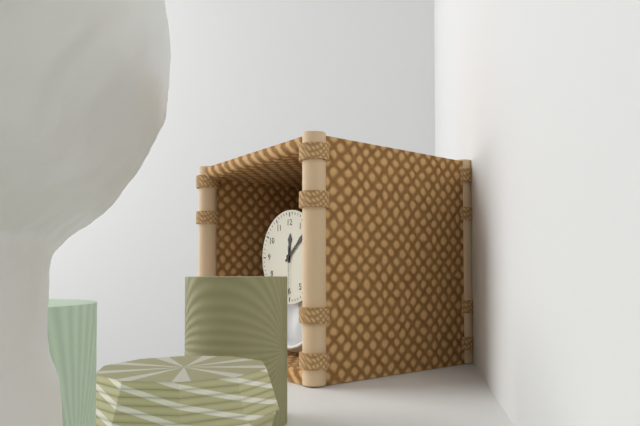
12:08
